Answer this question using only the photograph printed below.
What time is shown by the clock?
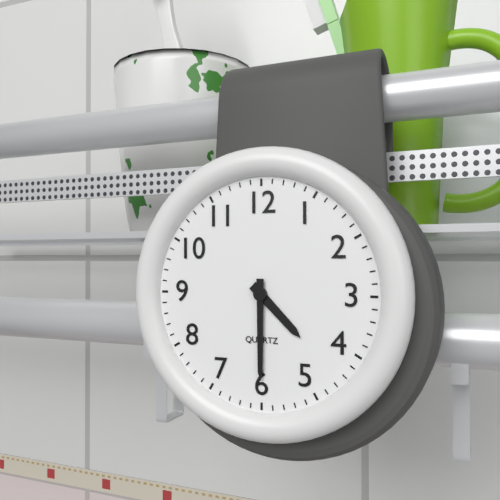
4:30
